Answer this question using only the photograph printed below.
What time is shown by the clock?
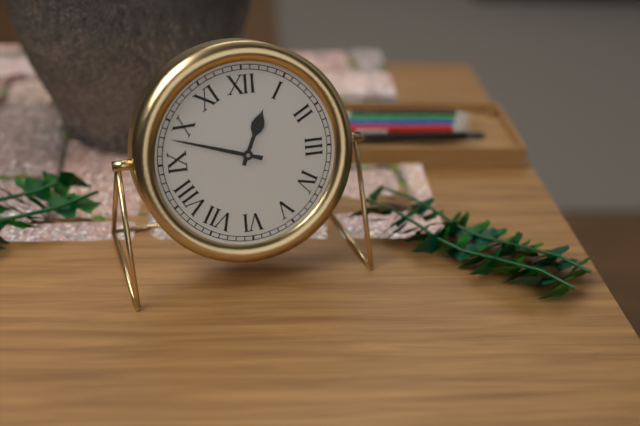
12:48
